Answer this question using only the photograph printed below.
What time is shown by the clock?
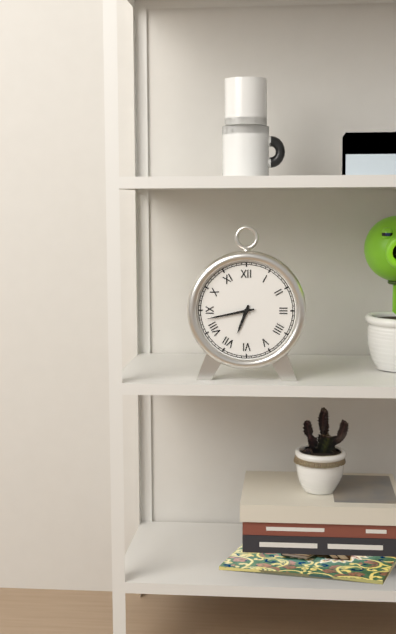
6:43
